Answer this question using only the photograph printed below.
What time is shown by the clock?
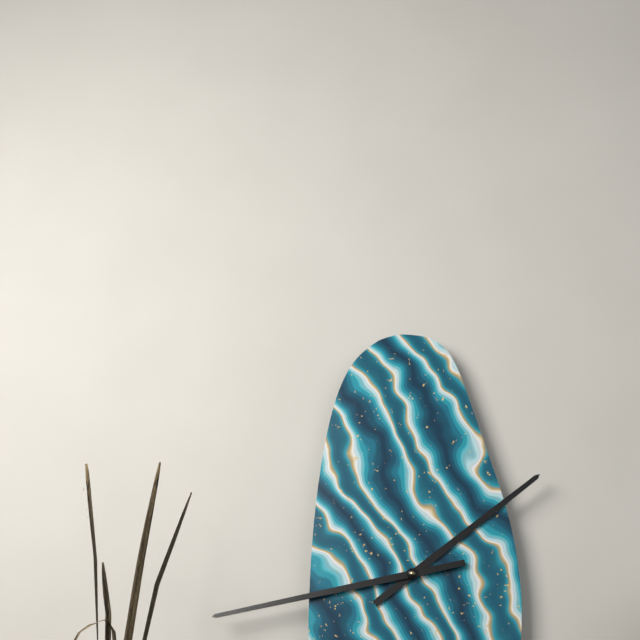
1:43
